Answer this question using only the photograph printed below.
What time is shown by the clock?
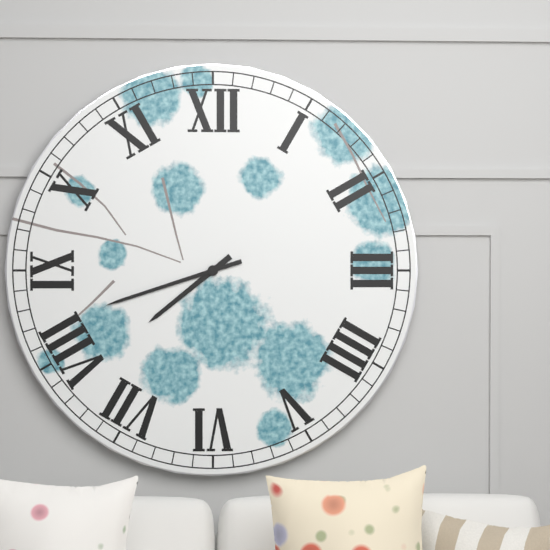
7:42
